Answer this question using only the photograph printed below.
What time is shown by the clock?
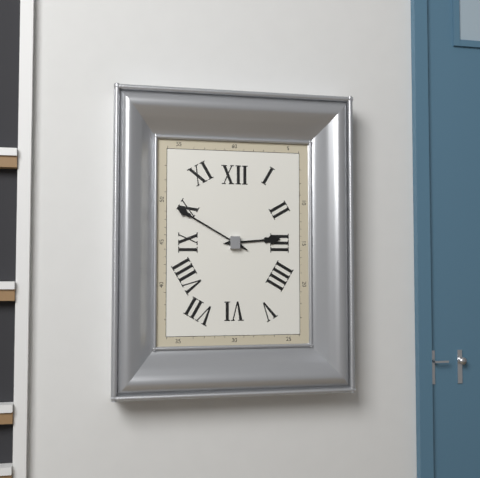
2:50
